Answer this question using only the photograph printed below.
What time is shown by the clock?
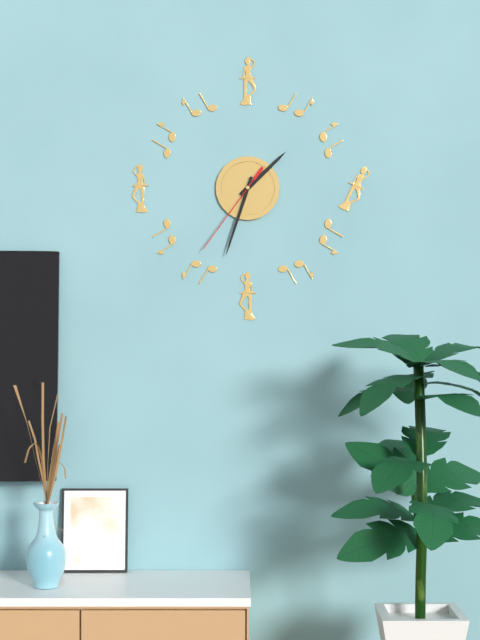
1:33:36
